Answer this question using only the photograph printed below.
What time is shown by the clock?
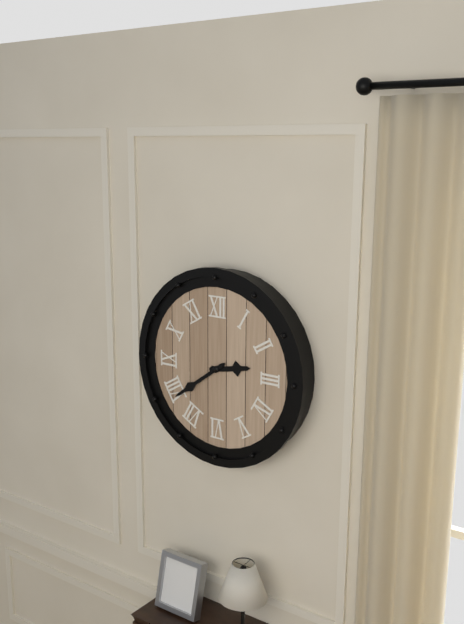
2:39
